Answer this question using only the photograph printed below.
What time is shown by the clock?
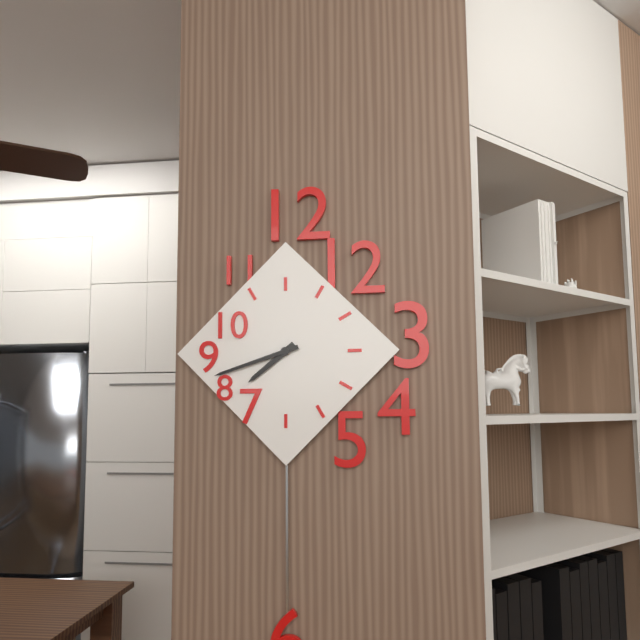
7:42
